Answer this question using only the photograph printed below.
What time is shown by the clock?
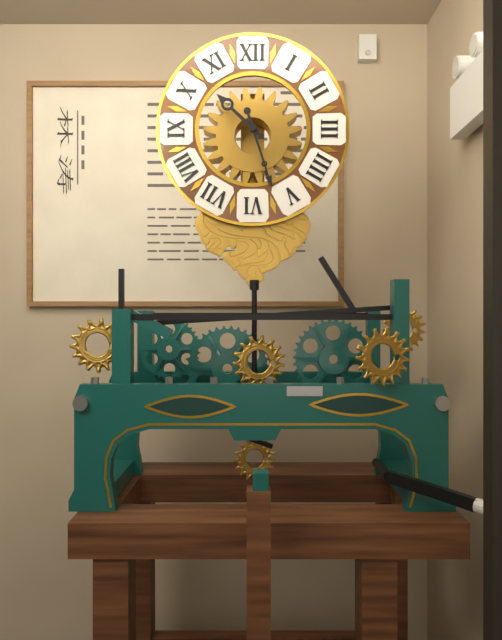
10:27
